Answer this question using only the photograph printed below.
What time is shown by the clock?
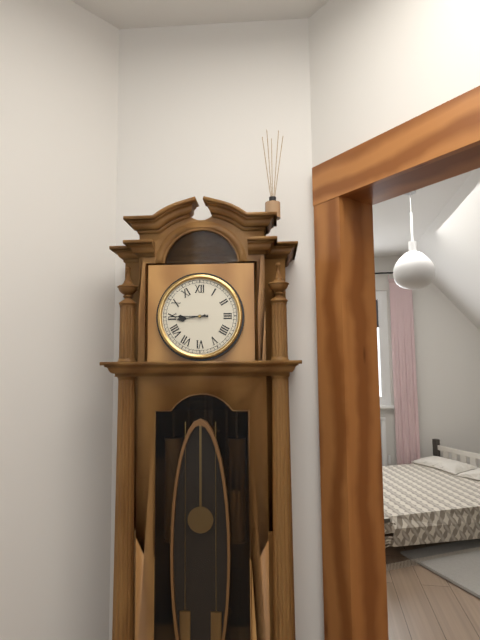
8:45
